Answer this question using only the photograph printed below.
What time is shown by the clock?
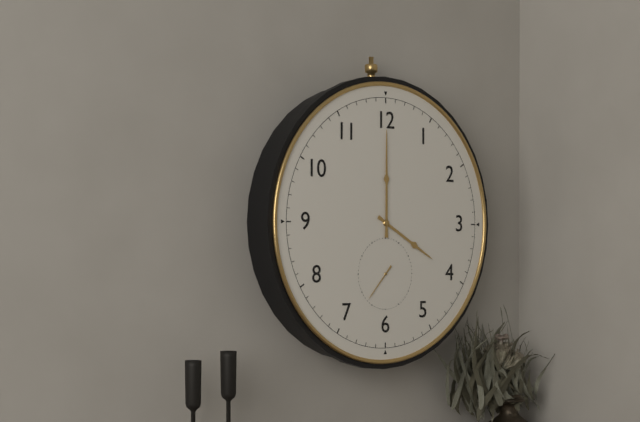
4:00
